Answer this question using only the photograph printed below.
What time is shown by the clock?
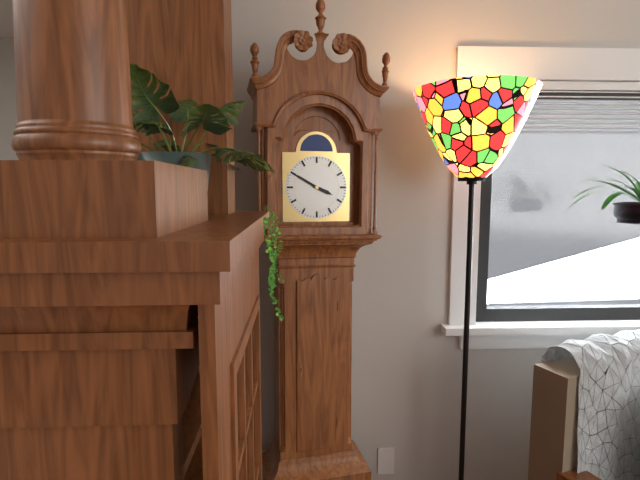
3:50
